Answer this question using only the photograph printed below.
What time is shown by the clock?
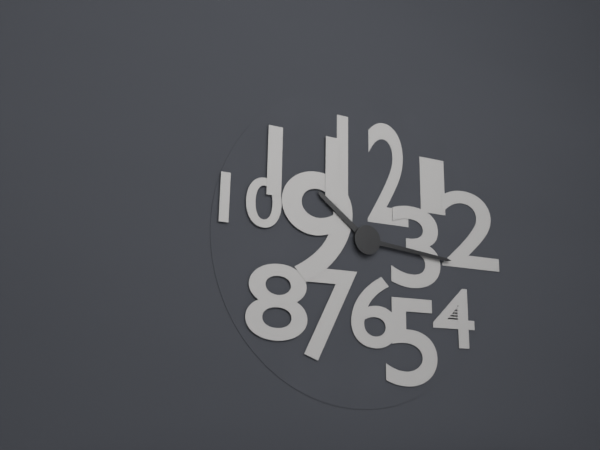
10:16
